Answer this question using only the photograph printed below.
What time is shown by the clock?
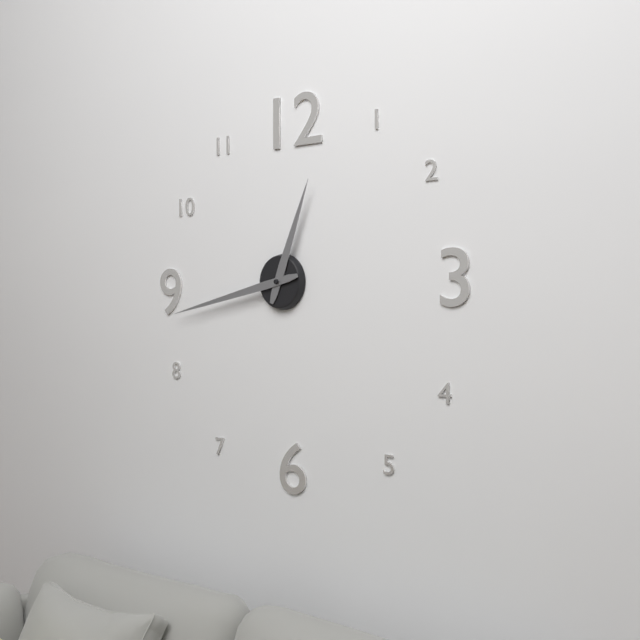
12:43
